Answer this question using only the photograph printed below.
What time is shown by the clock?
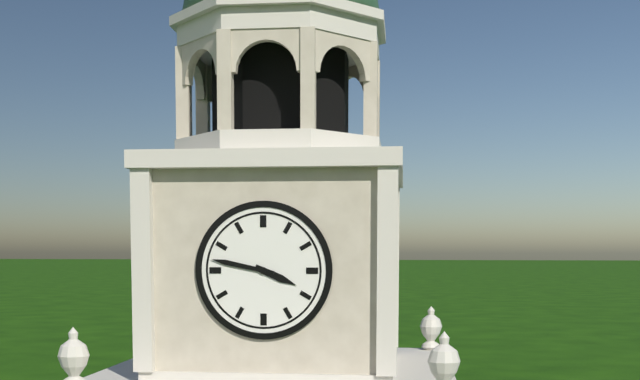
3:47
